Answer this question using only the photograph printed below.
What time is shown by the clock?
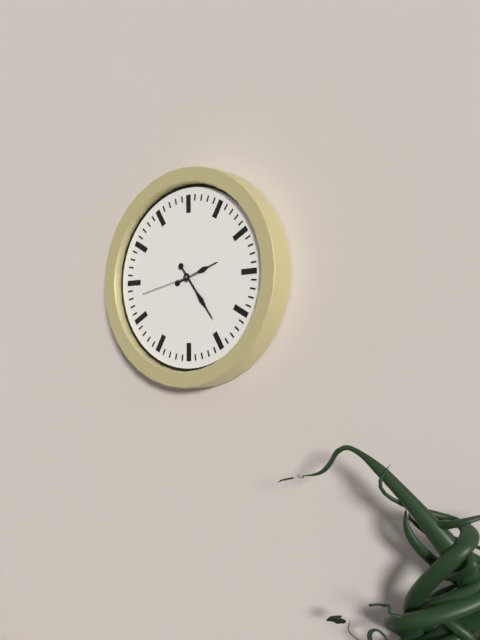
2:24:43
